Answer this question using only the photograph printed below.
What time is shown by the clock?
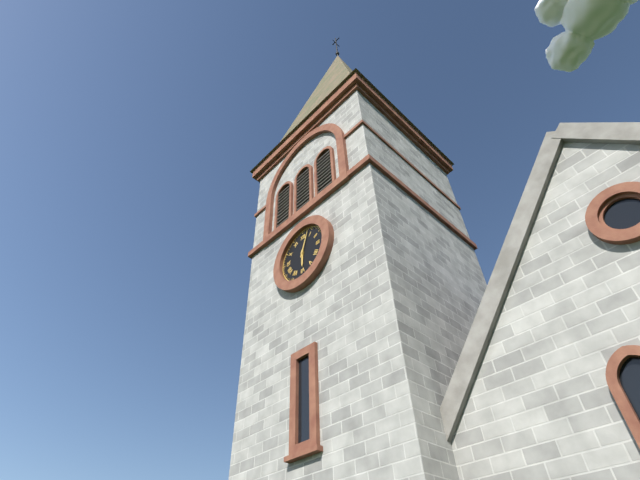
6:03
